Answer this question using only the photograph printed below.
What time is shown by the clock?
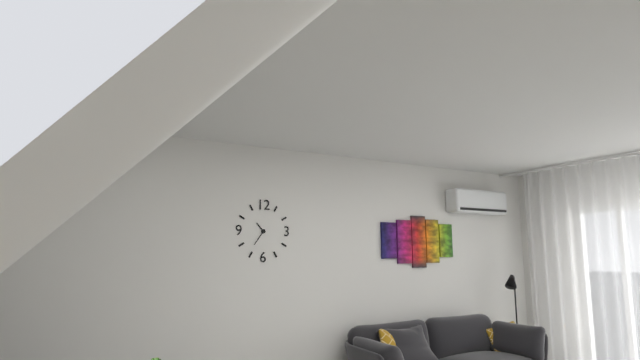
10:36
